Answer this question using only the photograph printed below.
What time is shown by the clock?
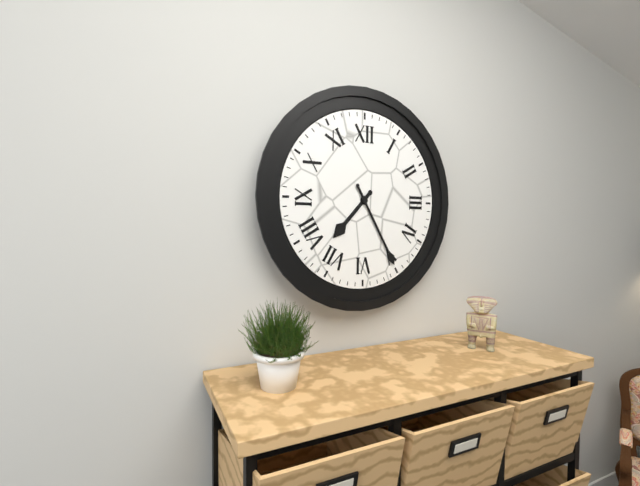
7:25
